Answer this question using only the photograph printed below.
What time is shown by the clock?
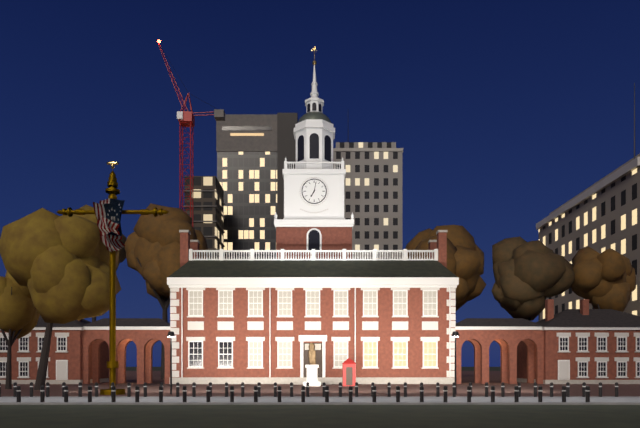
7:02
